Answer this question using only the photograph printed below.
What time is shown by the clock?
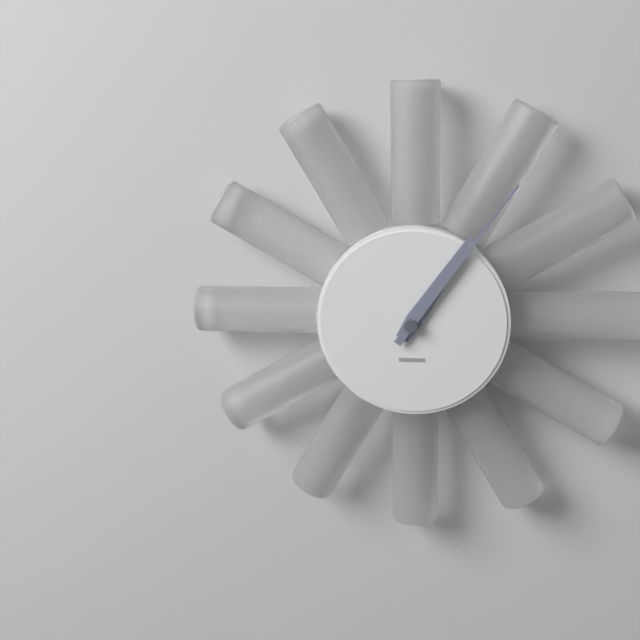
1:06
